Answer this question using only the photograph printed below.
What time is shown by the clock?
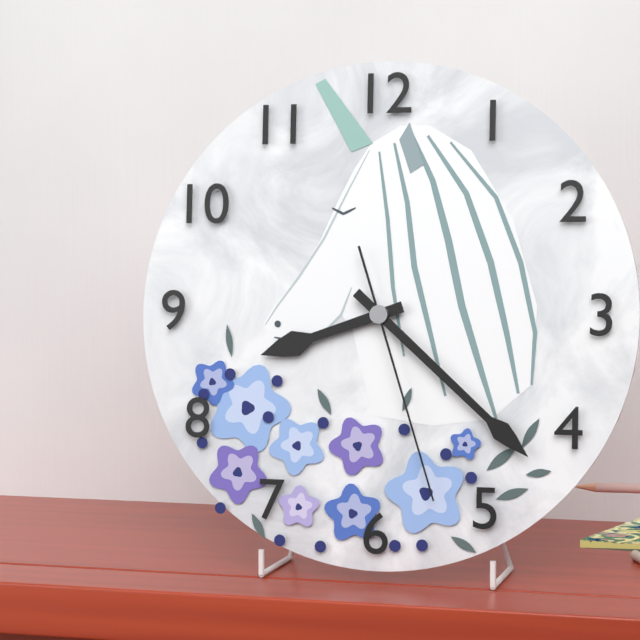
8:22:27
